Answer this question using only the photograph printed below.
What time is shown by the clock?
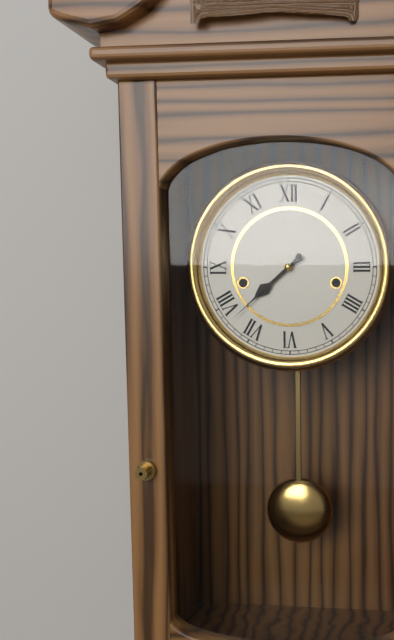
7:38
